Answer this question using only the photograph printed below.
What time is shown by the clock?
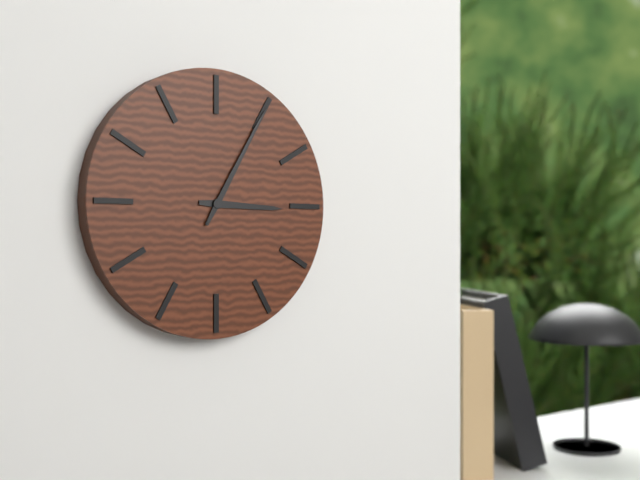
3:05
